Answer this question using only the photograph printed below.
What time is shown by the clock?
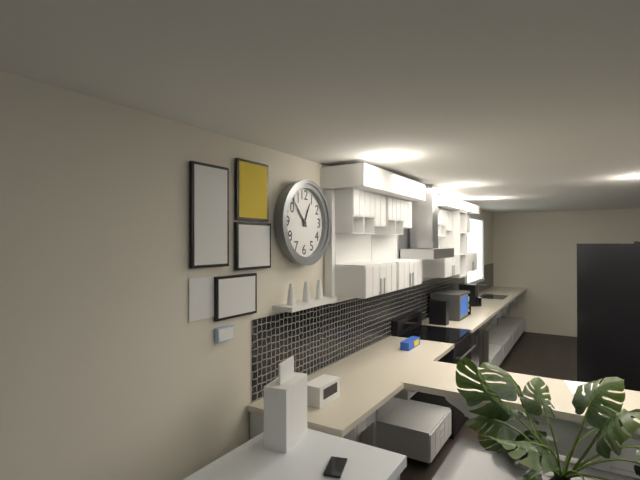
12:53
